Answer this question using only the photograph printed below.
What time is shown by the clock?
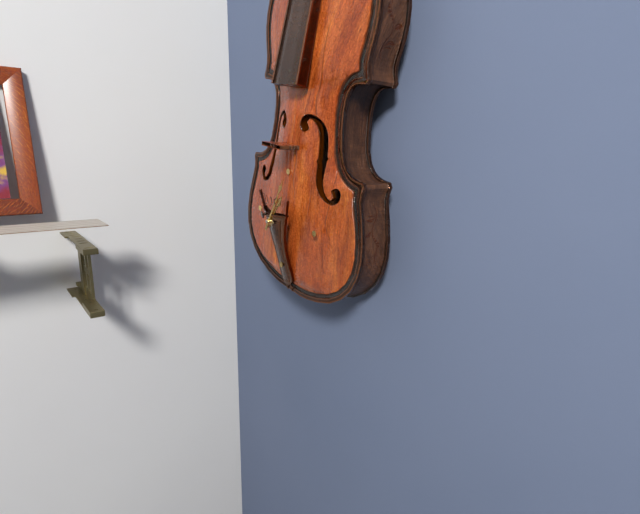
1:04
